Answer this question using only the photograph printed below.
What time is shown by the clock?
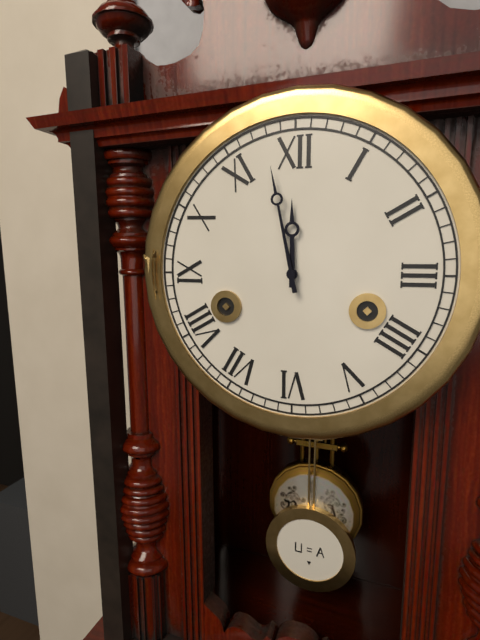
11:58
